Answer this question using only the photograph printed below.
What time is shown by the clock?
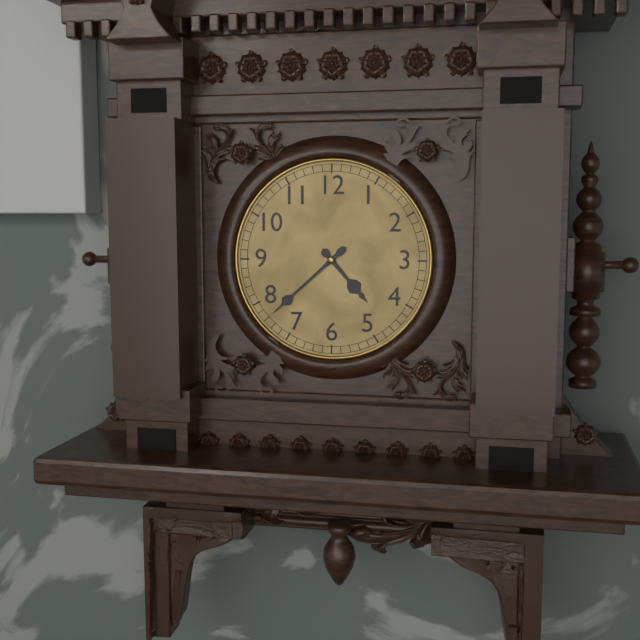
4:38
